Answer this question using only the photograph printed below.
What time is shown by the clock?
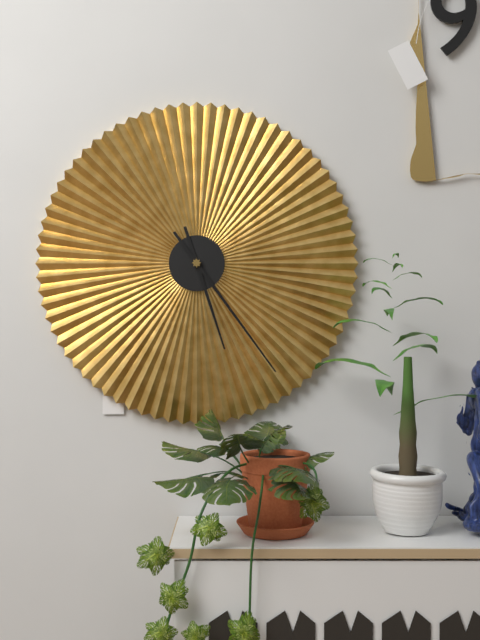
5:24
